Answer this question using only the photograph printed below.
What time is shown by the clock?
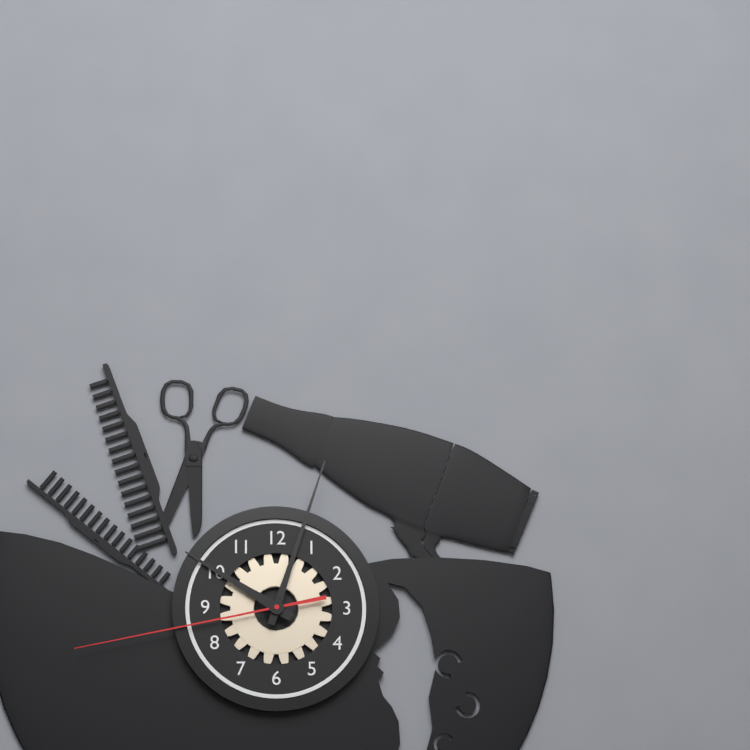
10:03:43
